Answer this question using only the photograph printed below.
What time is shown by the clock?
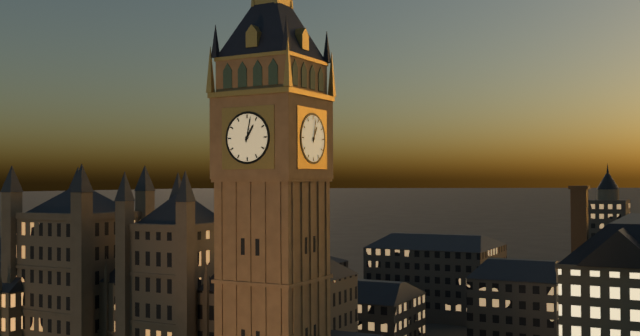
1:02
